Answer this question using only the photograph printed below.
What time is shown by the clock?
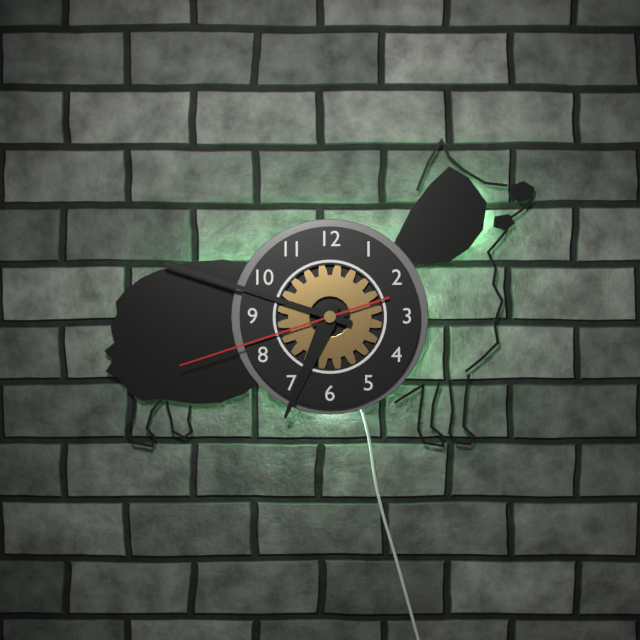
6:48:42
